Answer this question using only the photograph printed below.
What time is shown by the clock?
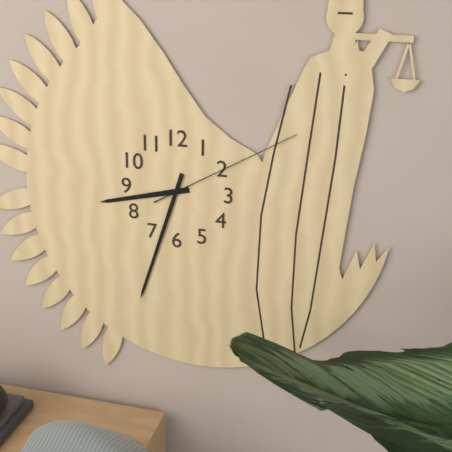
8:33:10
